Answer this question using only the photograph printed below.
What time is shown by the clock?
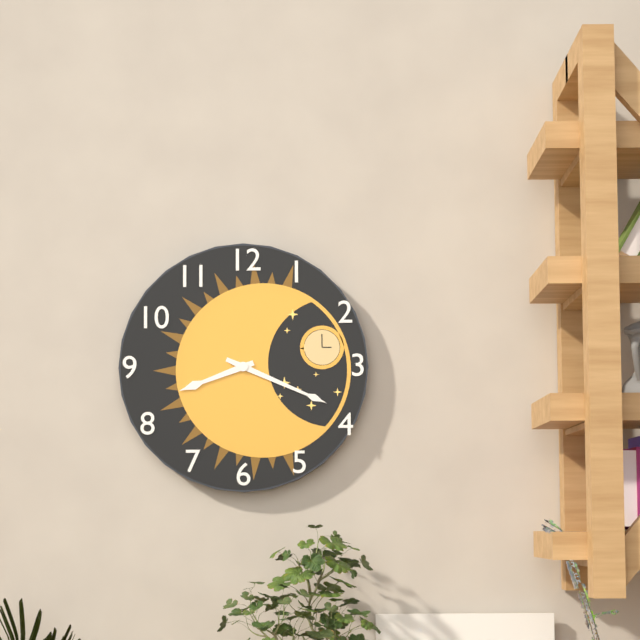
8:19
